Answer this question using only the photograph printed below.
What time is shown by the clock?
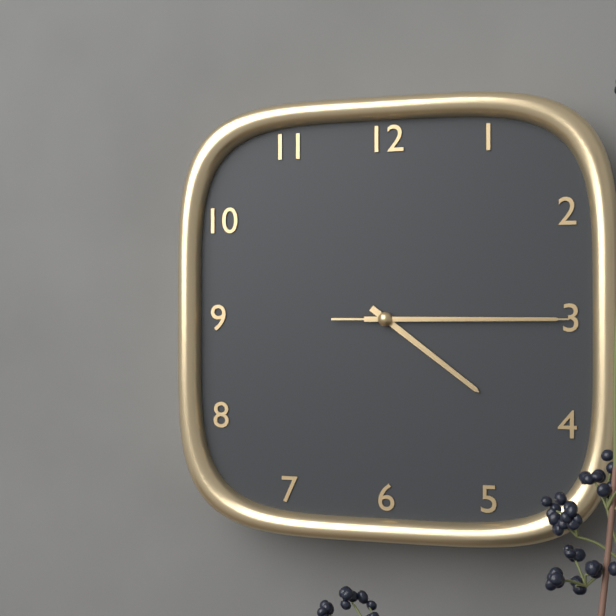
4:15:15
